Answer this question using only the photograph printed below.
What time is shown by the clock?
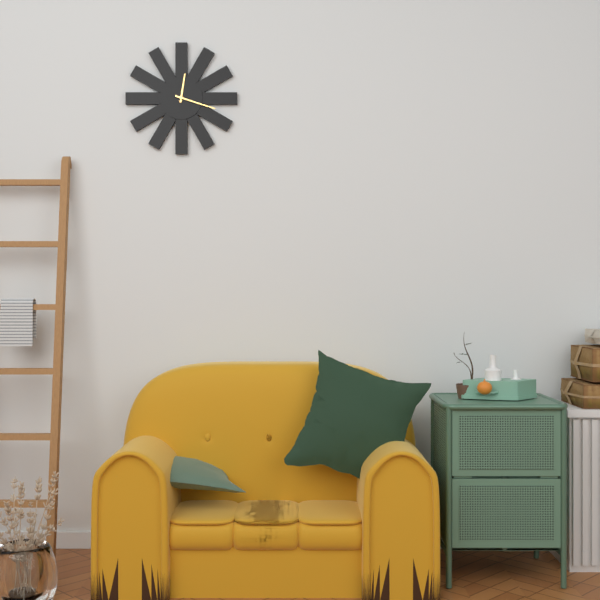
12:18
